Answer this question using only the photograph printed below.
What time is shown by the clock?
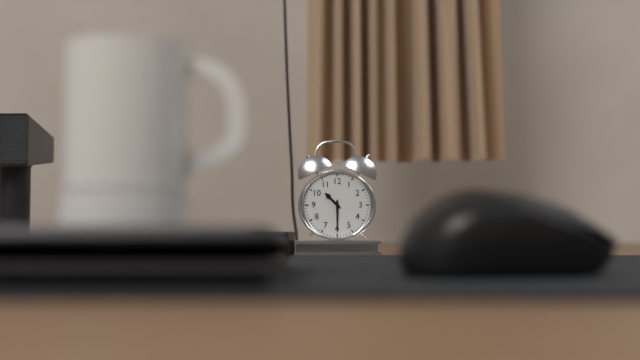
10:30
